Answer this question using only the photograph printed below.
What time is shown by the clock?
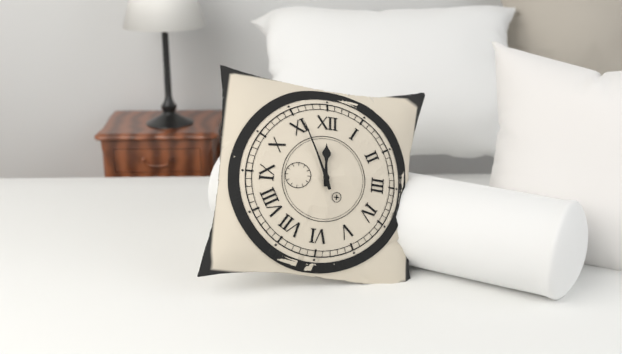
11:56
